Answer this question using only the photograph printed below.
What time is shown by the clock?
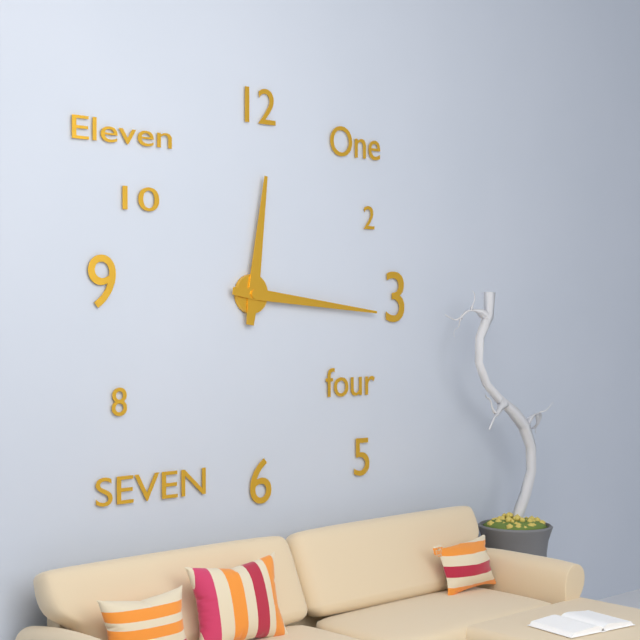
12:16
